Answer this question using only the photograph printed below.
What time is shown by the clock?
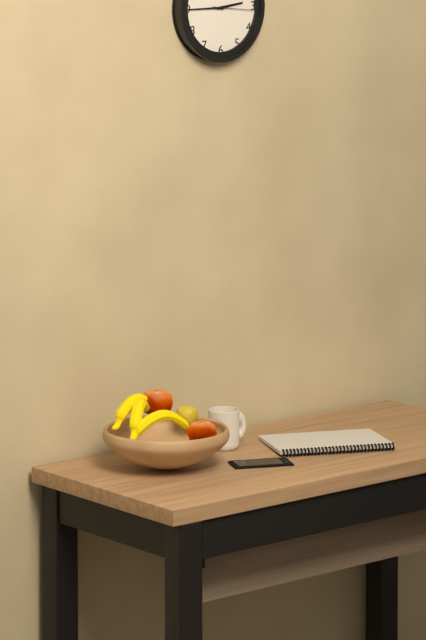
2:45
